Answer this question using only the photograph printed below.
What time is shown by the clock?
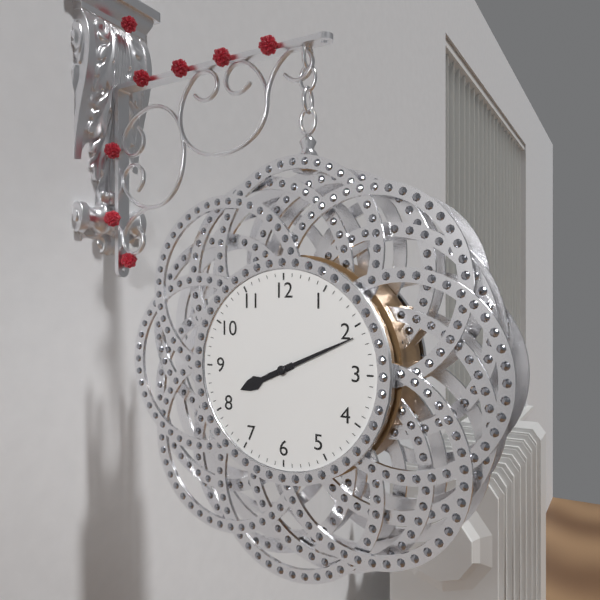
8:11
